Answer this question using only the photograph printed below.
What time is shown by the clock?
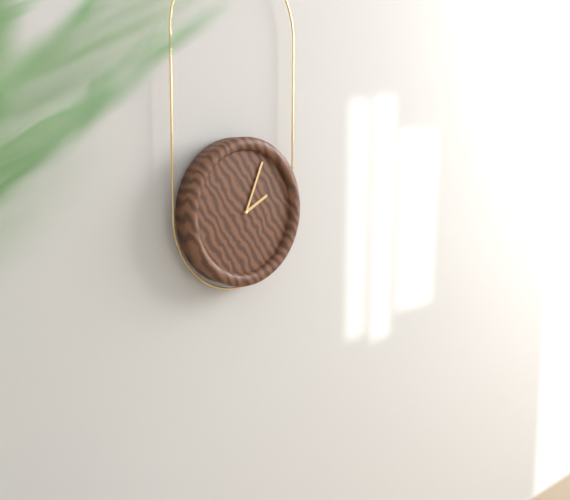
2:04
